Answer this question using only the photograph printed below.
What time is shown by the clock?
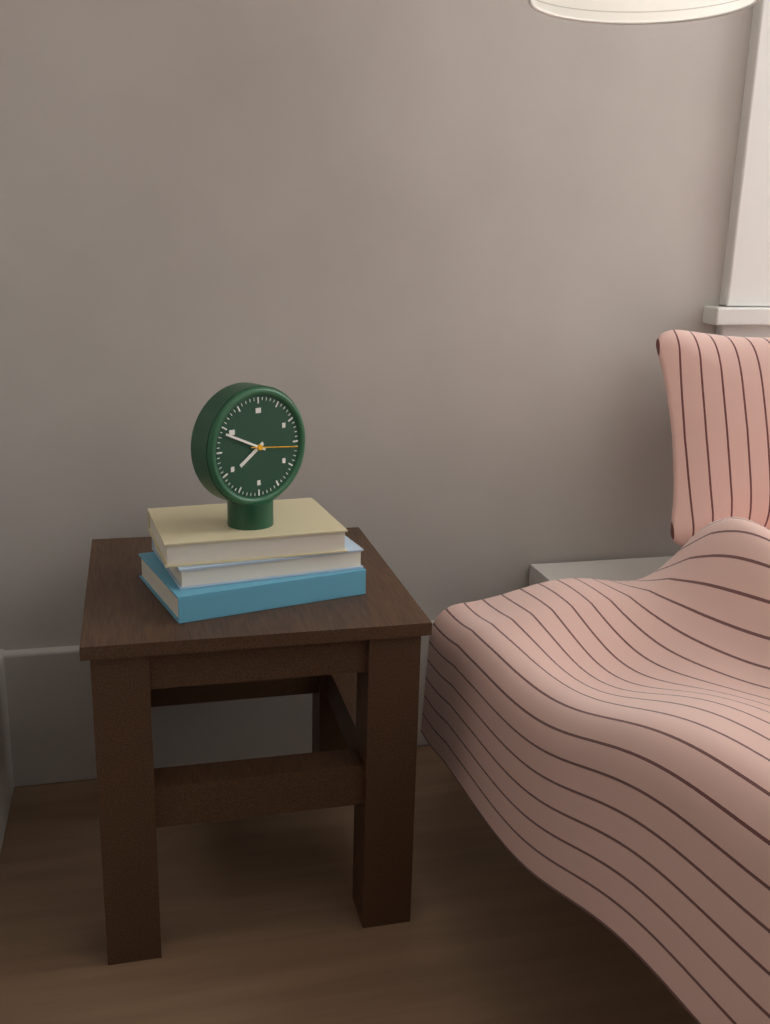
7:49
